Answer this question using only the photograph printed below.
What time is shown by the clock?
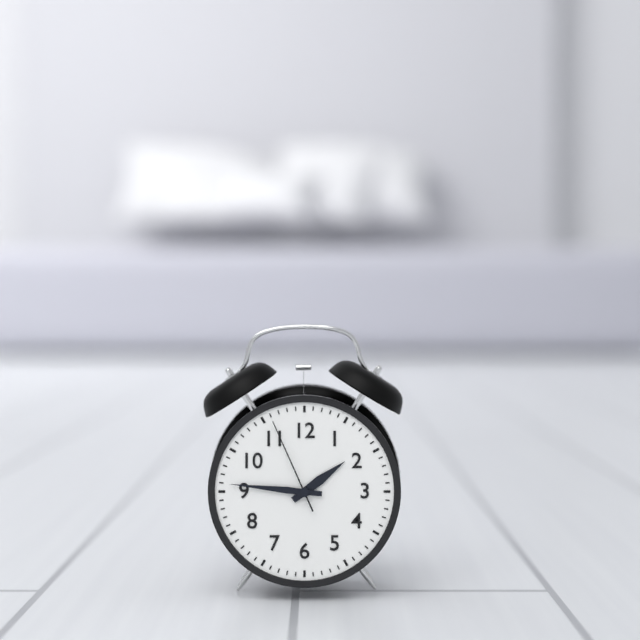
1:46:56
